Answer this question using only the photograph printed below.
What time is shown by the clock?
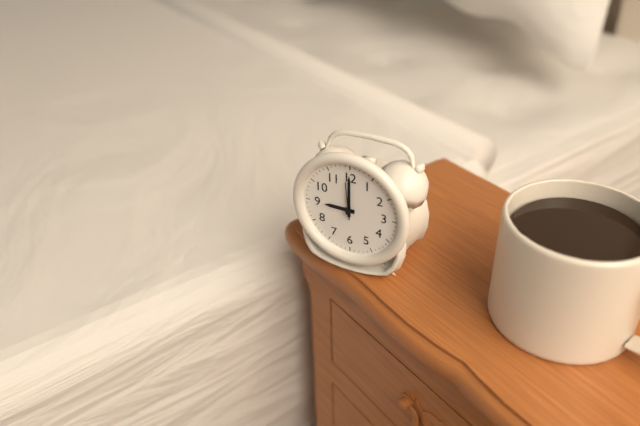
9:00
